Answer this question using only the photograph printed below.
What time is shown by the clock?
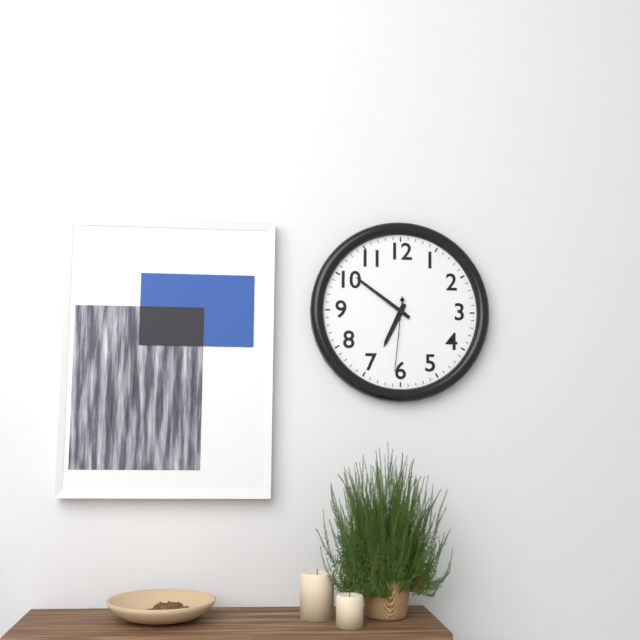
6:51:31
